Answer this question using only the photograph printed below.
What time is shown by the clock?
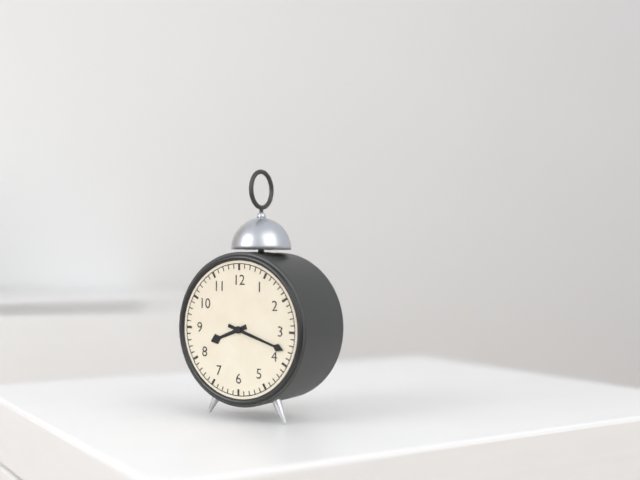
8:18
